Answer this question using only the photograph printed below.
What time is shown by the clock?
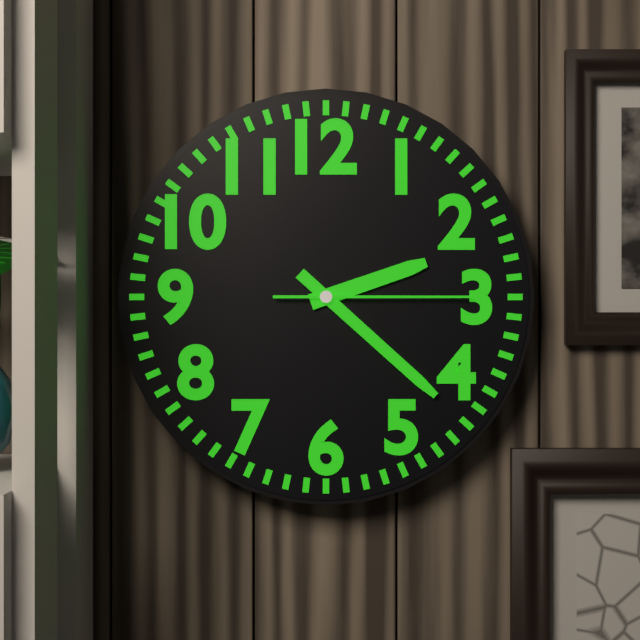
2:22:15
